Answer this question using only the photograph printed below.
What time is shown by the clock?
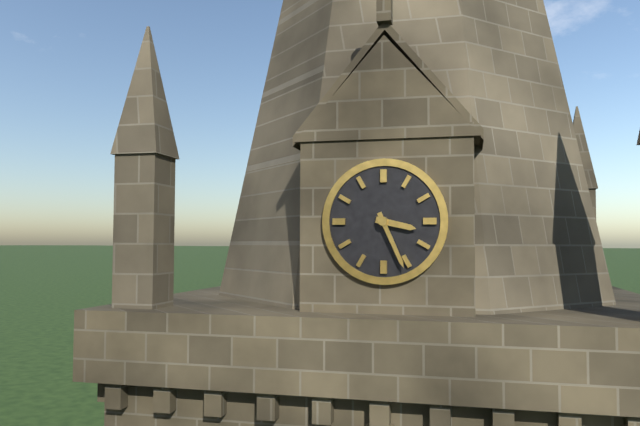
3:26
